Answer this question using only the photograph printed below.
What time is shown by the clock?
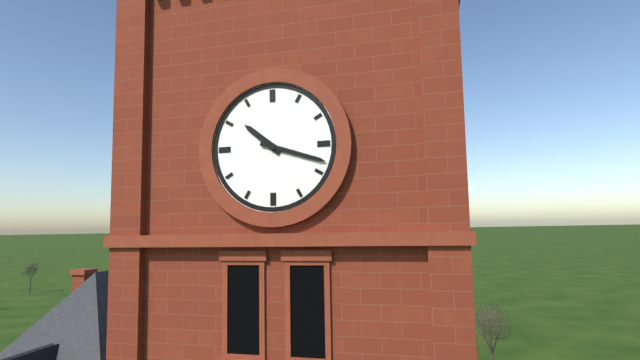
10:18
